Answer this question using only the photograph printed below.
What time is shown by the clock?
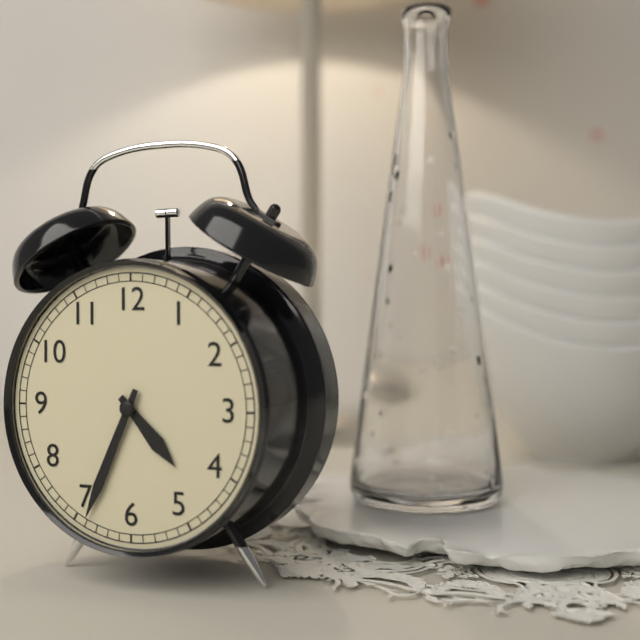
4:34
